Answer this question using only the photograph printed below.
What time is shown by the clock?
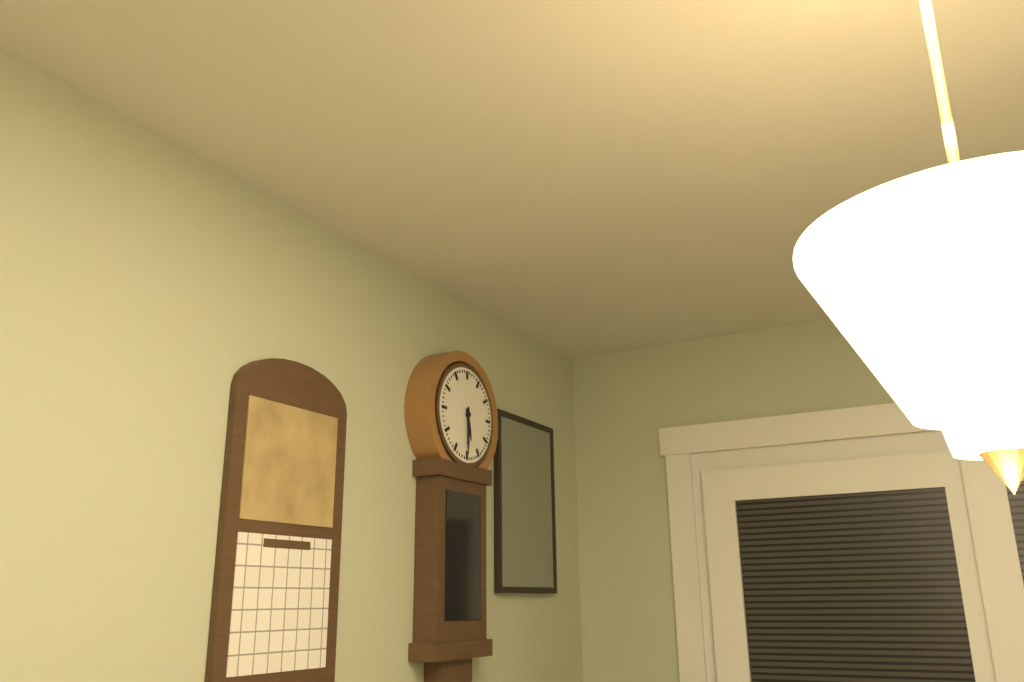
5:30
